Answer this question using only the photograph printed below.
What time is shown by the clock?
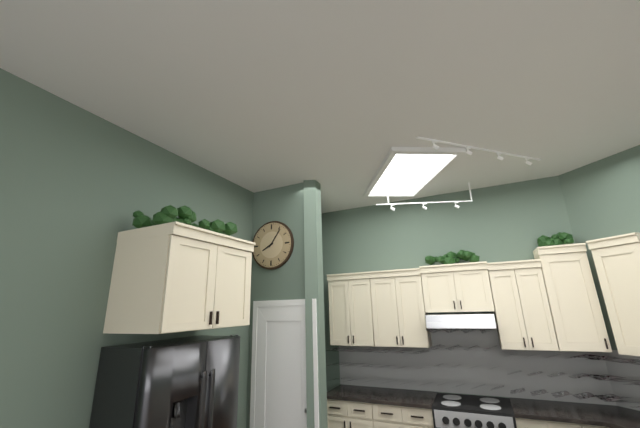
8:06
